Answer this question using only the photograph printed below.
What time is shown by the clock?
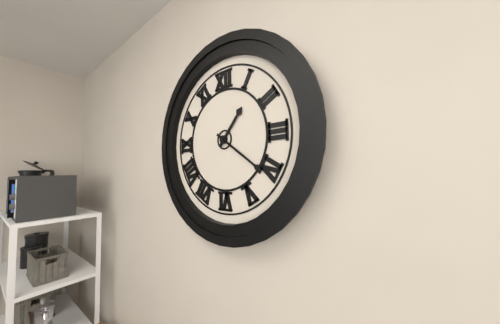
1:21
